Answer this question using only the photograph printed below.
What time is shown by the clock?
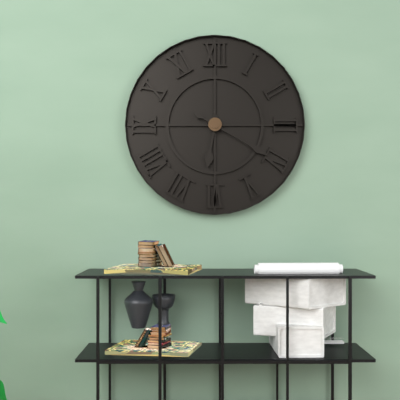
6:20
